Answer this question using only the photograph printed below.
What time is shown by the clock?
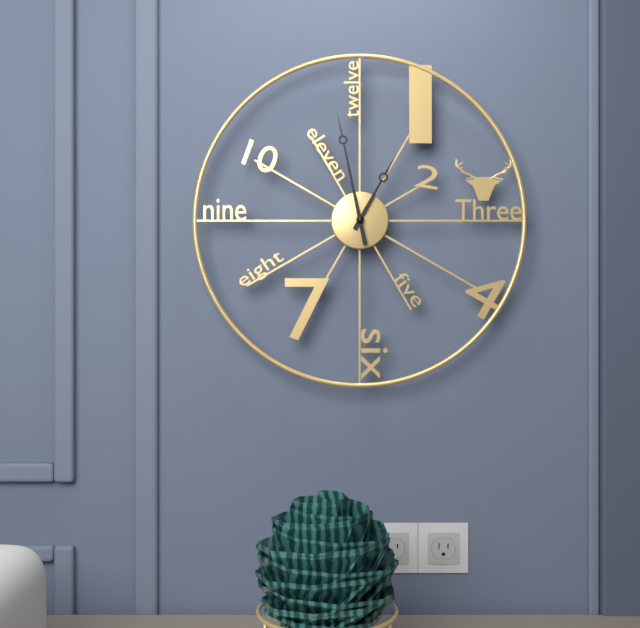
12:58
